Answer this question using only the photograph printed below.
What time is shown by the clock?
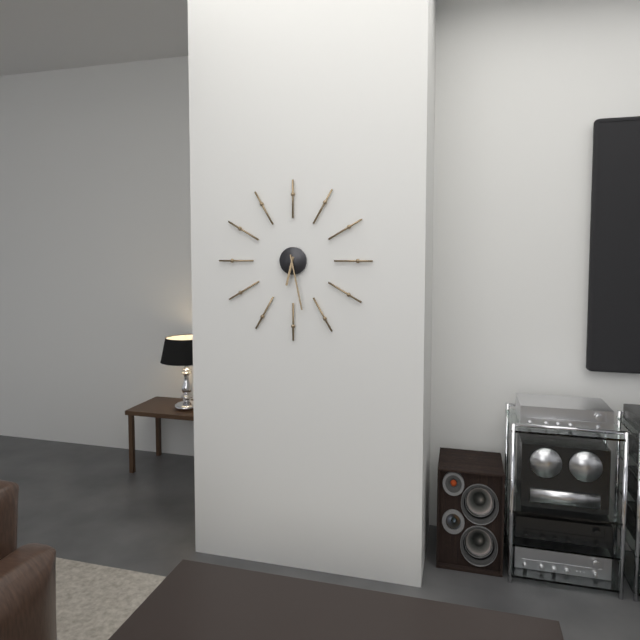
6:28
